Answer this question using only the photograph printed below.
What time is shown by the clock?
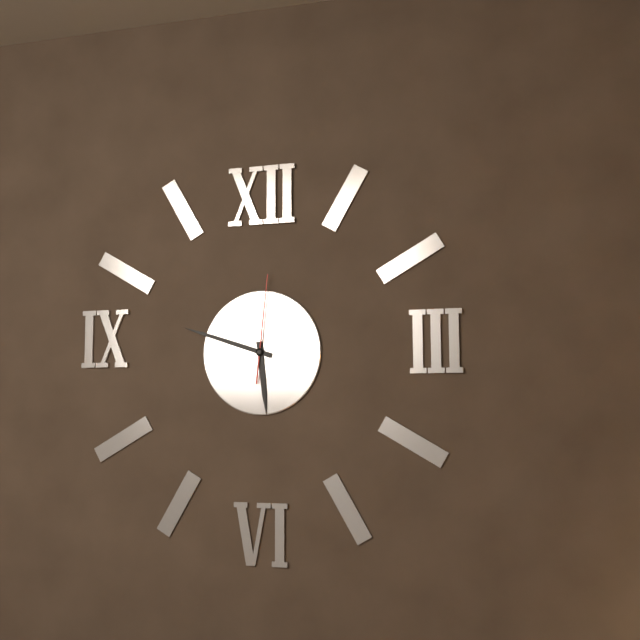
5:48:01
